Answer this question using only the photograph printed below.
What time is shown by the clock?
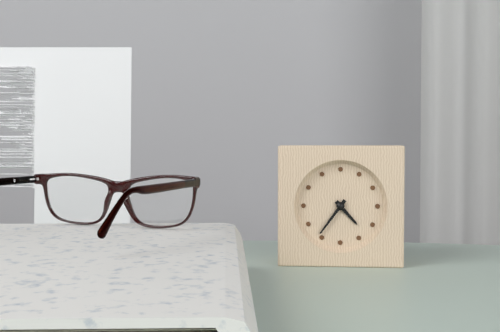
4:36
